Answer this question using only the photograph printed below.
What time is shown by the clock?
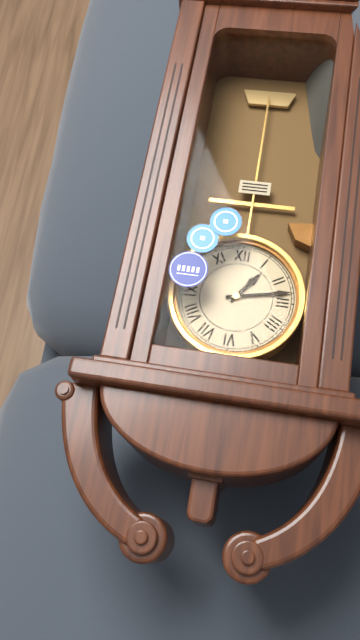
1:13
